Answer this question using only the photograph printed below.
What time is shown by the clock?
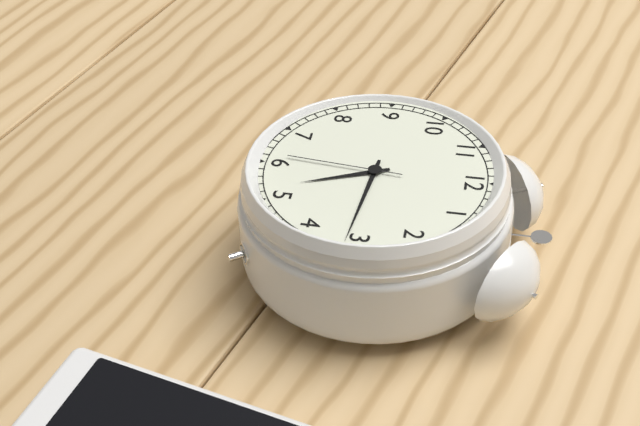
5:16:31
